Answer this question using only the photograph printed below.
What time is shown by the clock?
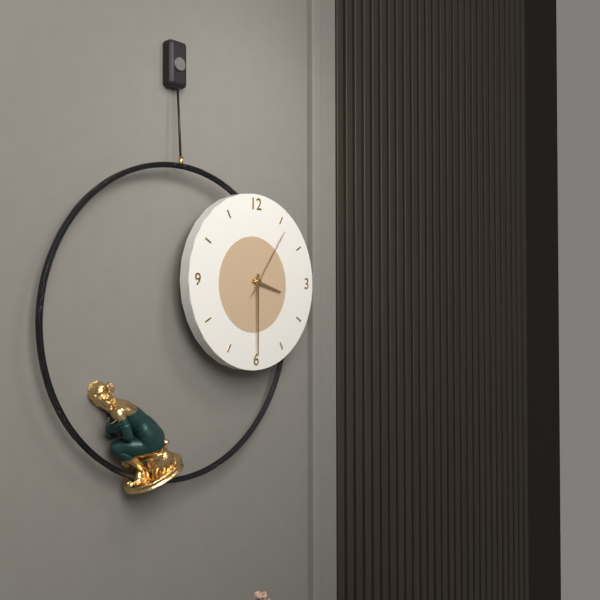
3:30:06
